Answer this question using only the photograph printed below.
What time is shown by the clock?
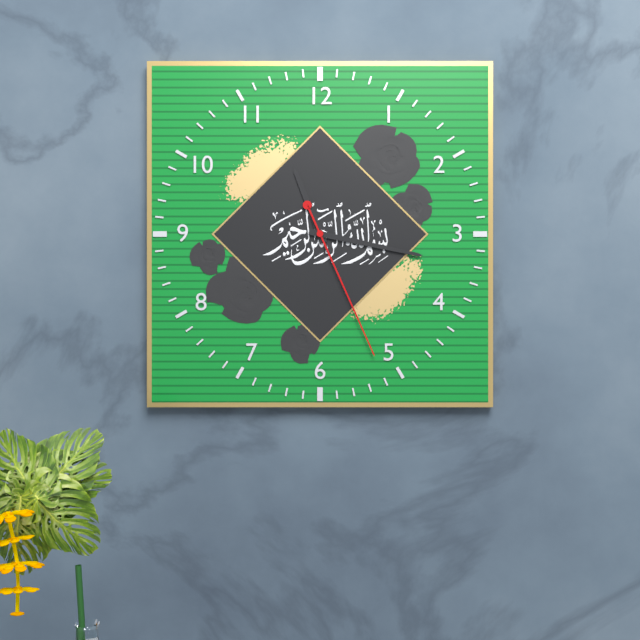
11:17:26
